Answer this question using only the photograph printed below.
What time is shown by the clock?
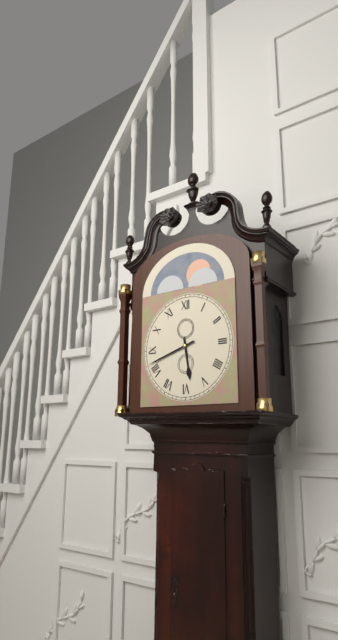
5:42
